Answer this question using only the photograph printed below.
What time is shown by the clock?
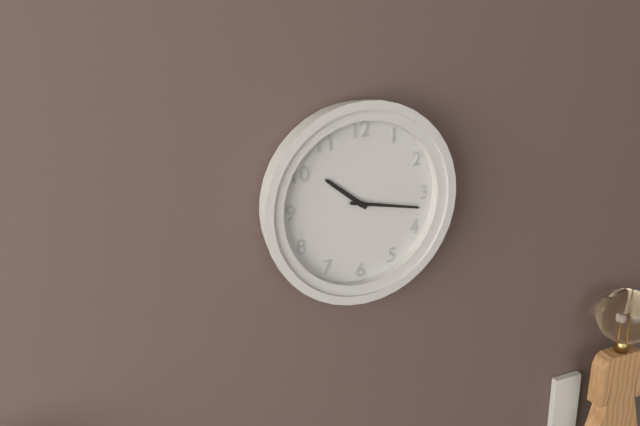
10:17
